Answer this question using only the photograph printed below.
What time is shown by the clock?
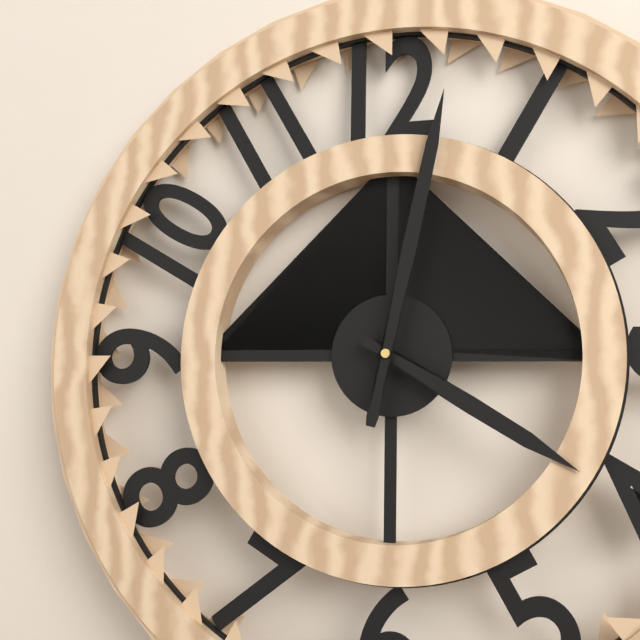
4:02
